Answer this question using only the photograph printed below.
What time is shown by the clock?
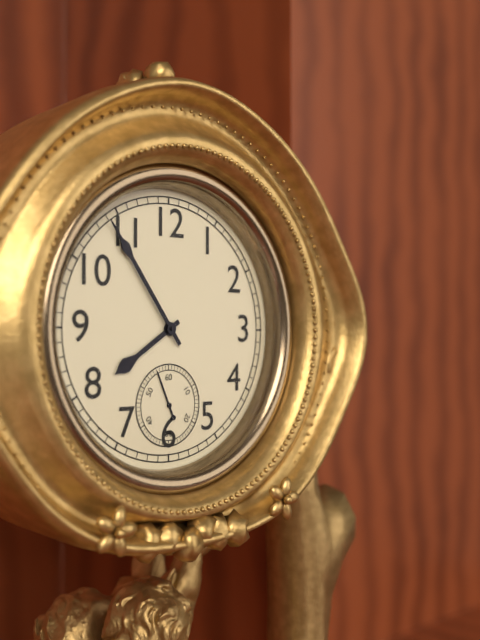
7:54
